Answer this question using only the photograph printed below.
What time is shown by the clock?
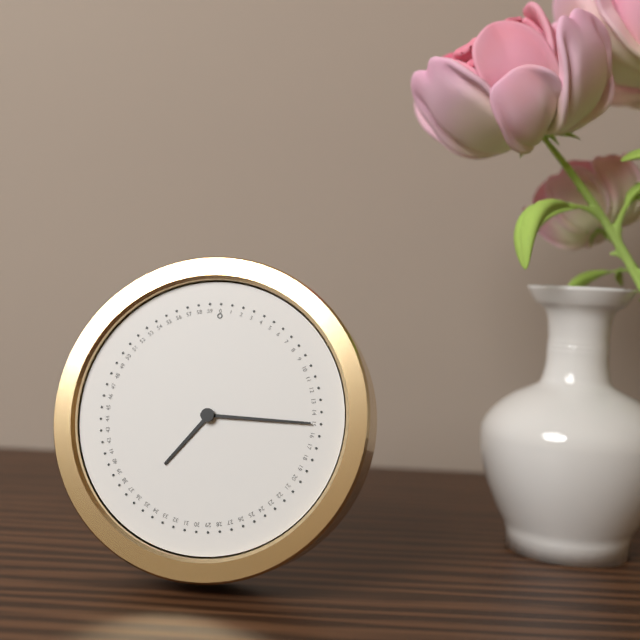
7:15
